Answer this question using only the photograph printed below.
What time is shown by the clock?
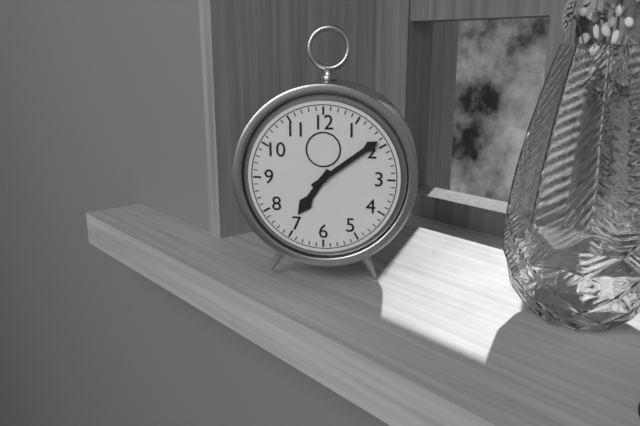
7:09
